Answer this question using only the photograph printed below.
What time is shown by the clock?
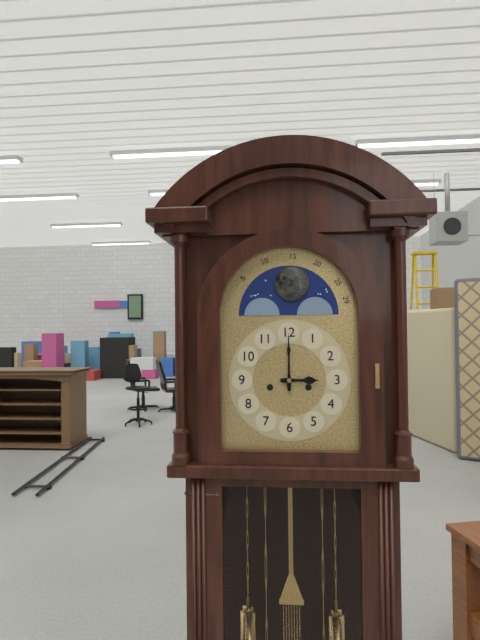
3:00
